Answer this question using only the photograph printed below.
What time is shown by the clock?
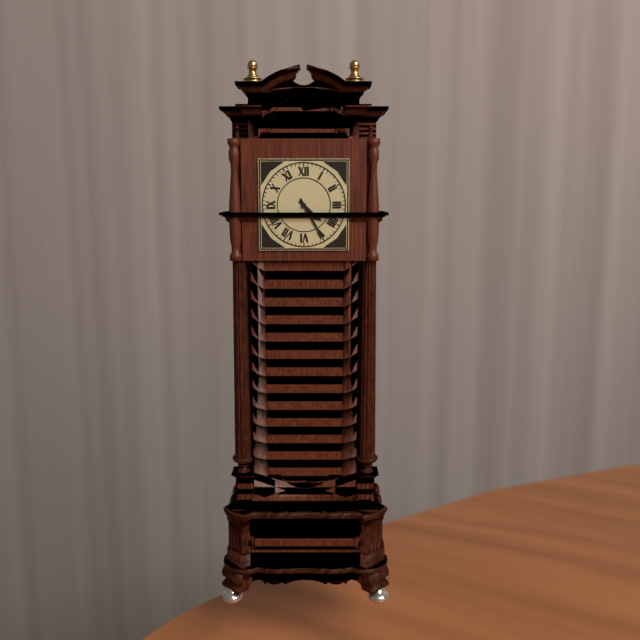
4:25
